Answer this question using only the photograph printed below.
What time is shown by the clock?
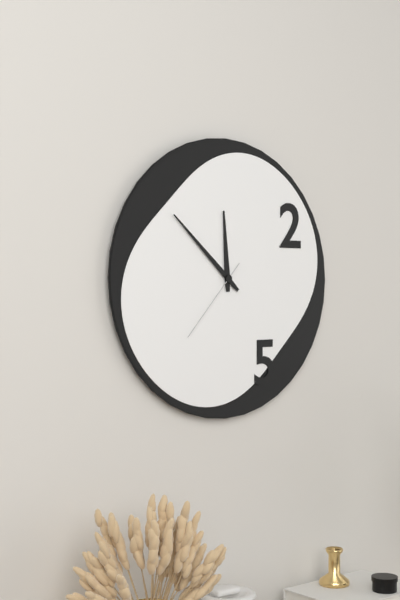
11:52:37
